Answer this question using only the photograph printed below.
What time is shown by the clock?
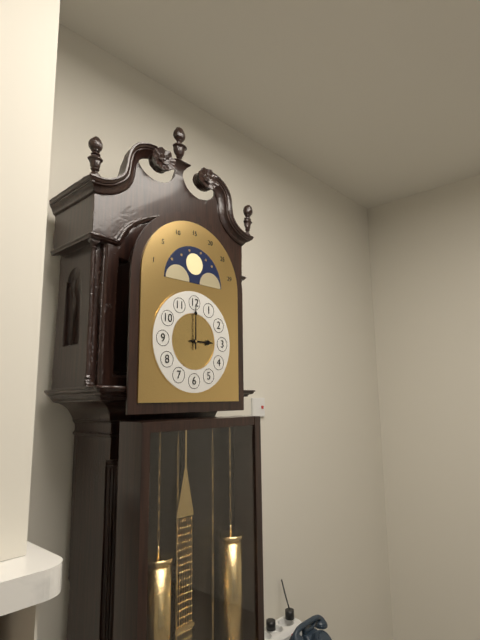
3:00
